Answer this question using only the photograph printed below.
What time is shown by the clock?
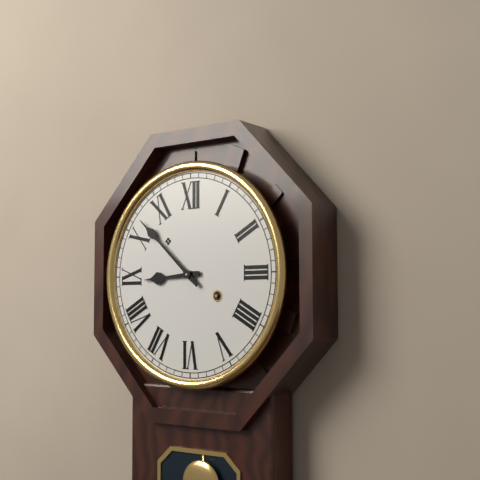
8:52
